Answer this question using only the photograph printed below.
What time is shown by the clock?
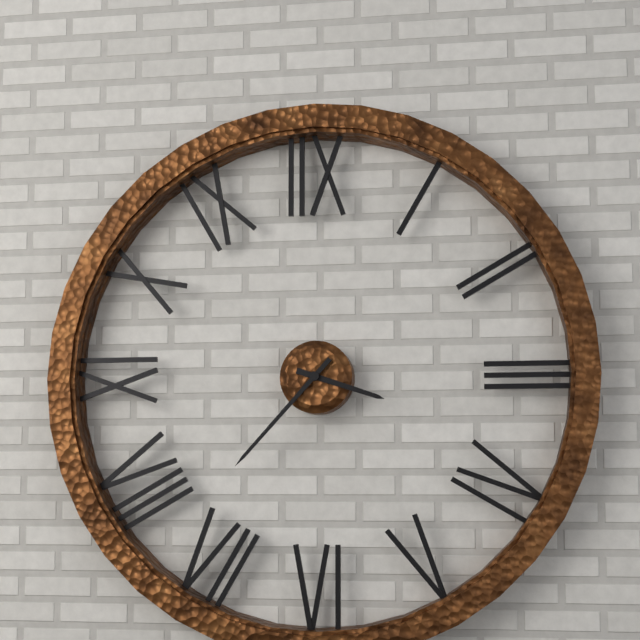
3:37
